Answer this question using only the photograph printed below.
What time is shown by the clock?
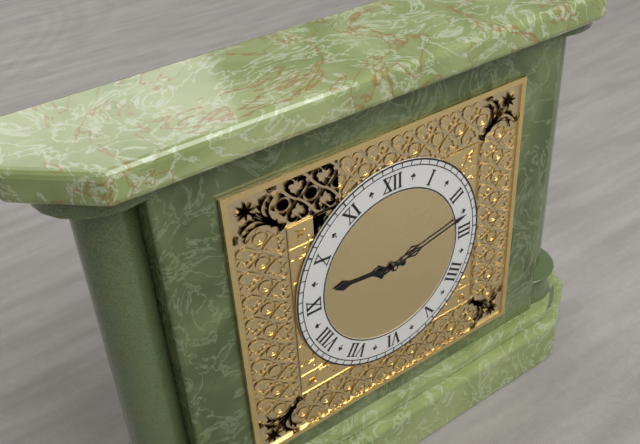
9:13
